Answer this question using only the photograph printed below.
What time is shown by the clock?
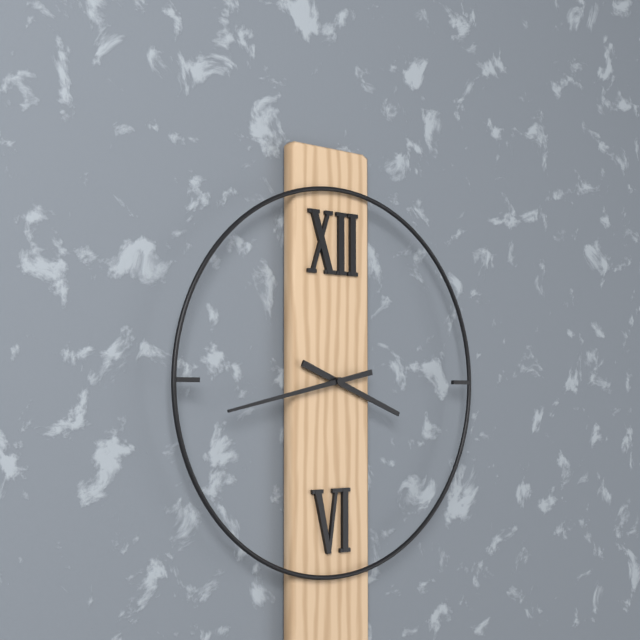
3:43
